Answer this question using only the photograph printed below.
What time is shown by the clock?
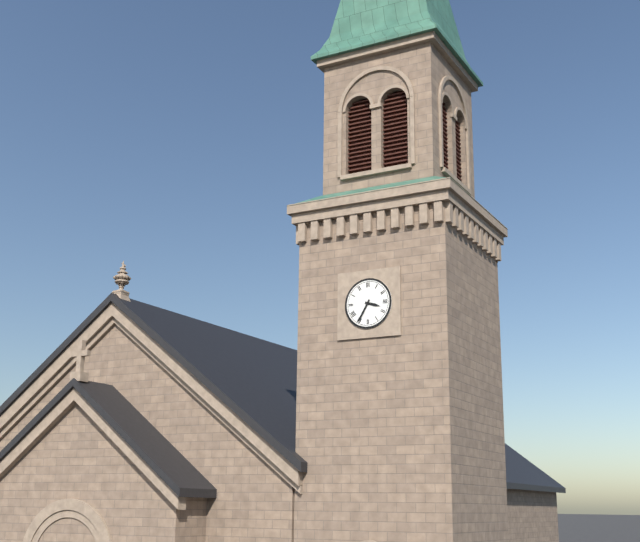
3:35
